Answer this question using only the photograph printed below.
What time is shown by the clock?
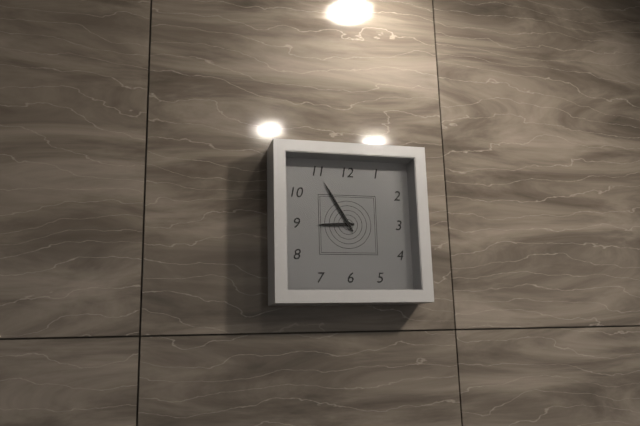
8:55
